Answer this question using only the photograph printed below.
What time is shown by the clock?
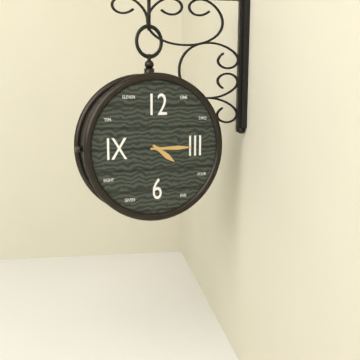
4:15
